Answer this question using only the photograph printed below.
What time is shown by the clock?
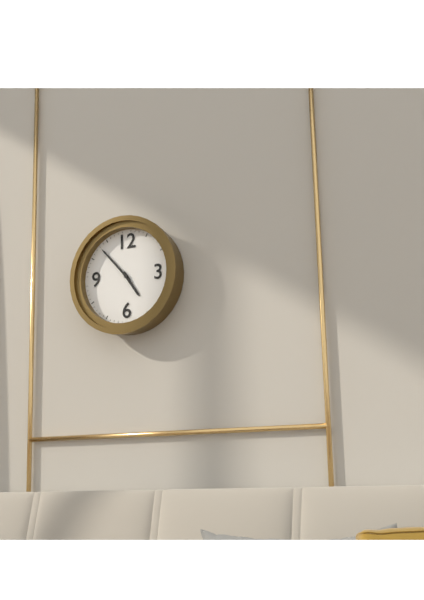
4:53
